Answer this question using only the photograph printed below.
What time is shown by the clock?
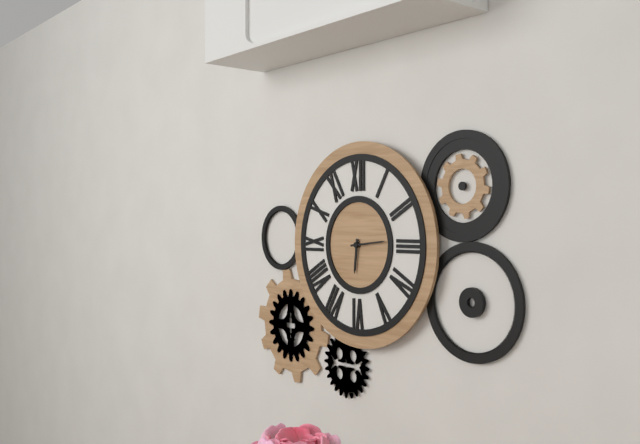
6:14
